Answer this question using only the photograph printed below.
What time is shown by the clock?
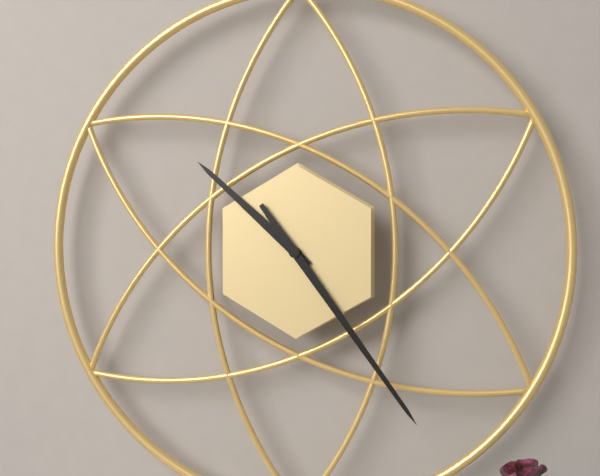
10:24
